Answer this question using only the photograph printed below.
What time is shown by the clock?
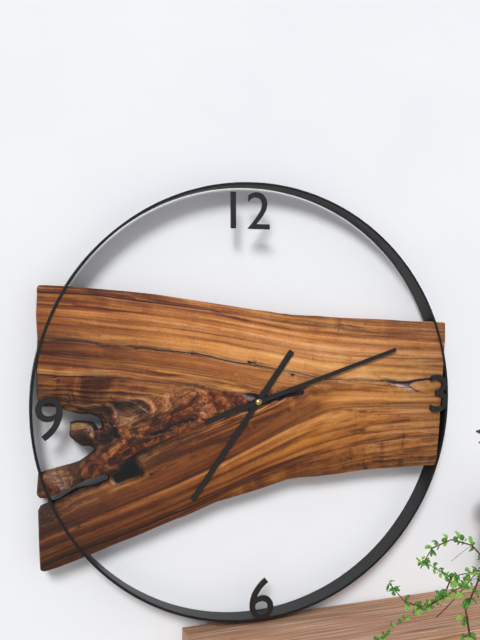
7:12
